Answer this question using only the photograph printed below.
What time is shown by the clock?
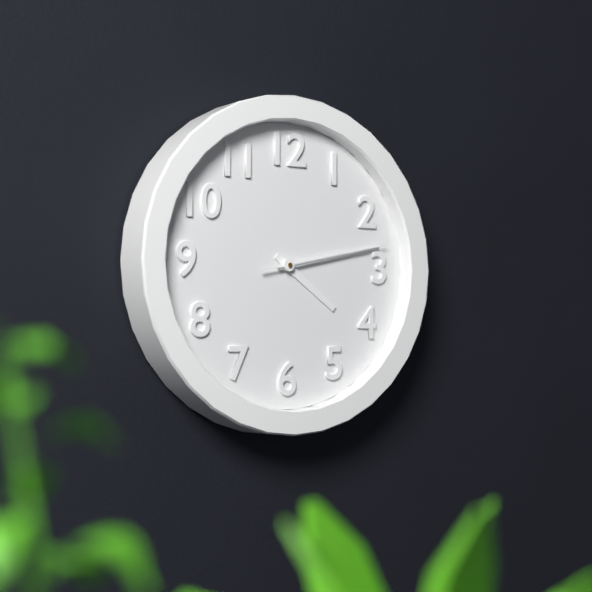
4:13:13
